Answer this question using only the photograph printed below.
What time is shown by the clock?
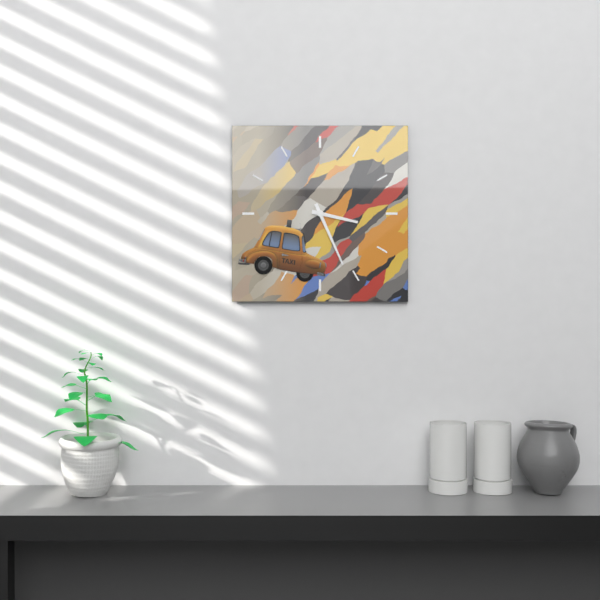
3:26
